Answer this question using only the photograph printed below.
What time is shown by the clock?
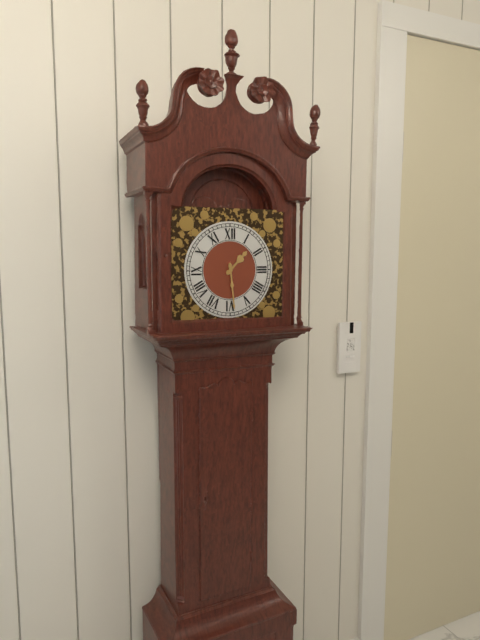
1:29
